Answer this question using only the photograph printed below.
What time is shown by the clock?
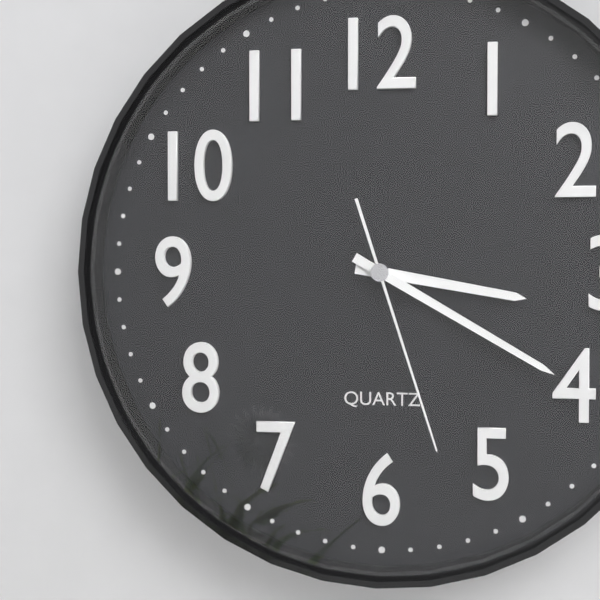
3:20:27
